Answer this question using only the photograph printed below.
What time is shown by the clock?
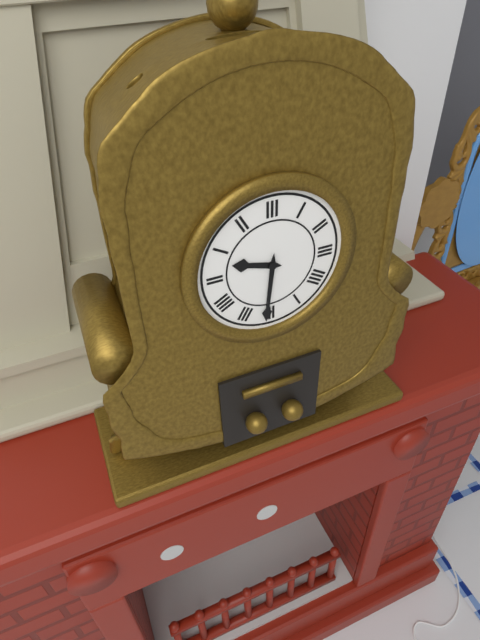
9:31
